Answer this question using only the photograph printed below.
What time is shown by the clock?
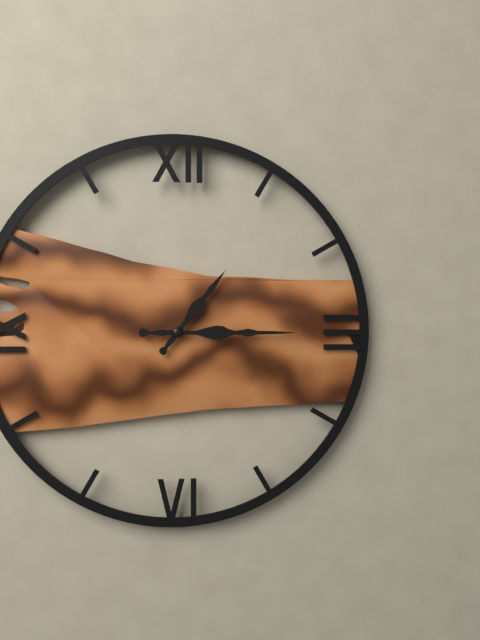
1:15
